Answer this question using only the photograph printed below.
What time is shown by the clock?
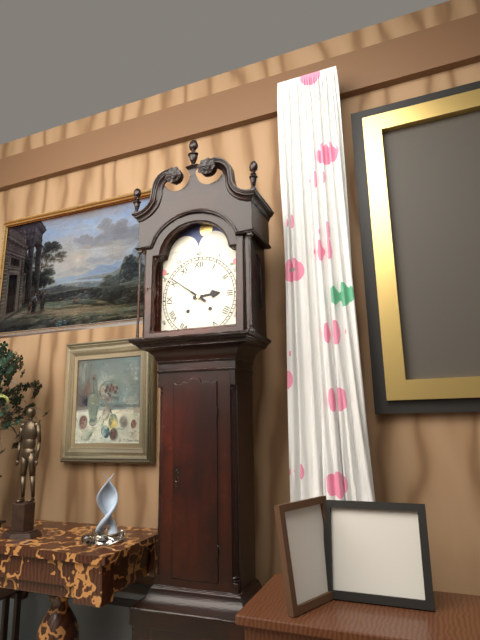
2:51
